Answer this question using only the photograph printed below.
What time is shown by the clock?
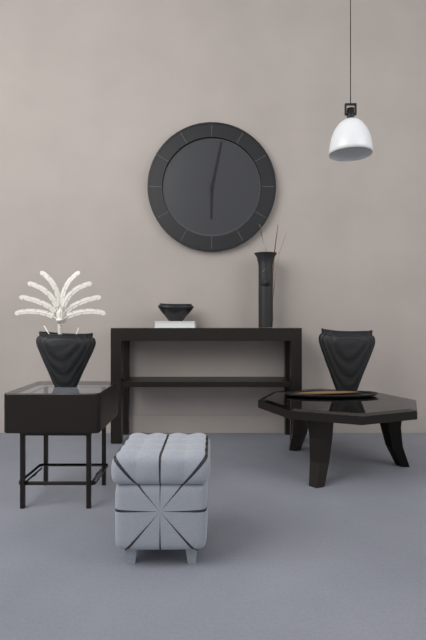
6:02
